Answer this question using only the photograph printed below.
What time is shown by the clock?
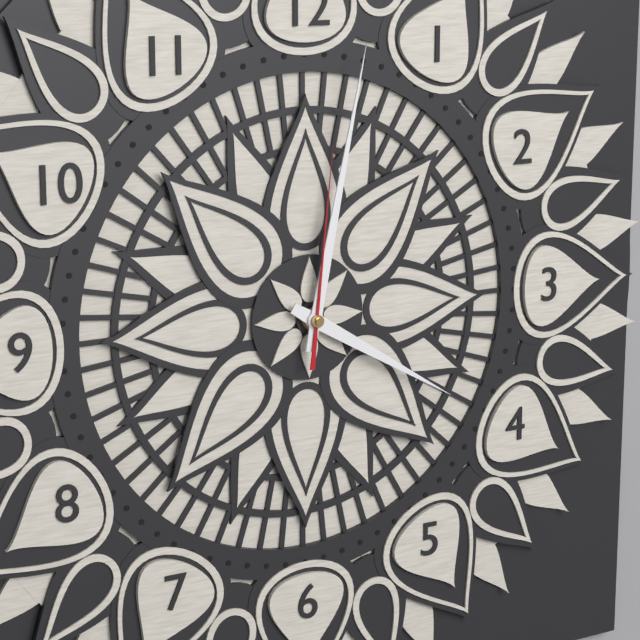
4:02:01
